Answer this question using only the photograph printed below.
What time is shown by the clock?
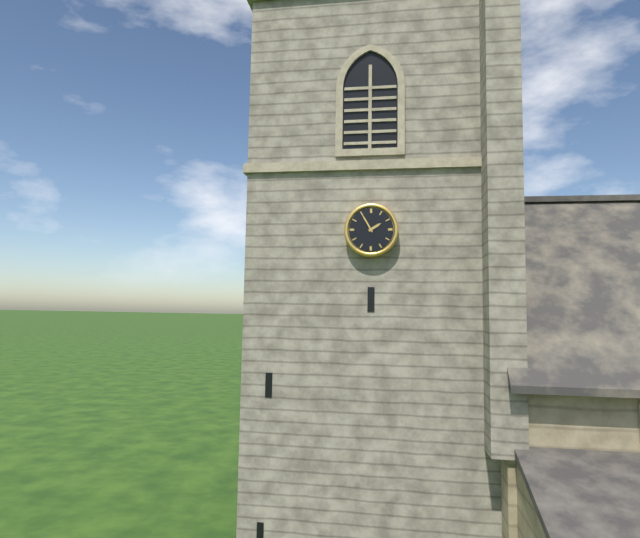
1:55
